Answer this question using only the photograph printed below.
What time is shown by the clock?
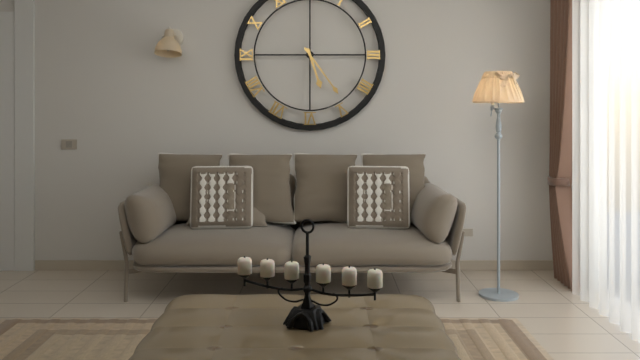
5:24
